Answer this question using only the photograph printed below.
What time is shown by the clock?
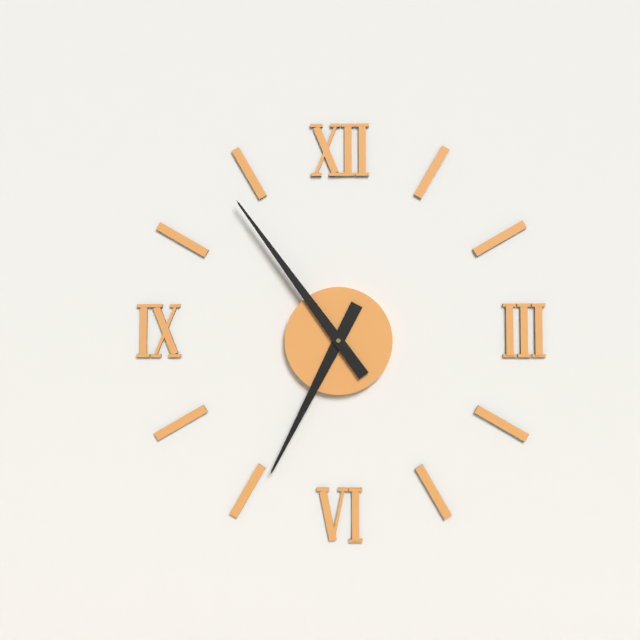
6:54
